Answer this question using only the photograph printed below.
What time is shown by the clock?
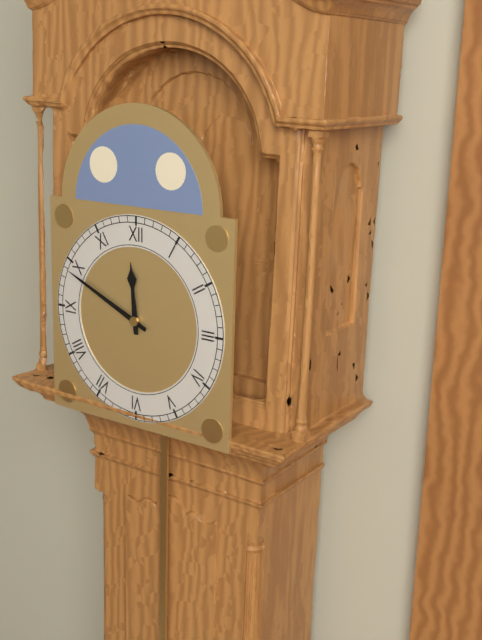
11:49
